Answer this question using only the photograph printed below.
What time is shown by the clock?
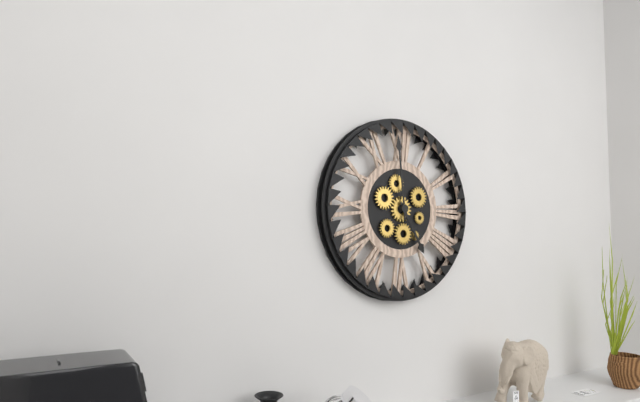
4:59
